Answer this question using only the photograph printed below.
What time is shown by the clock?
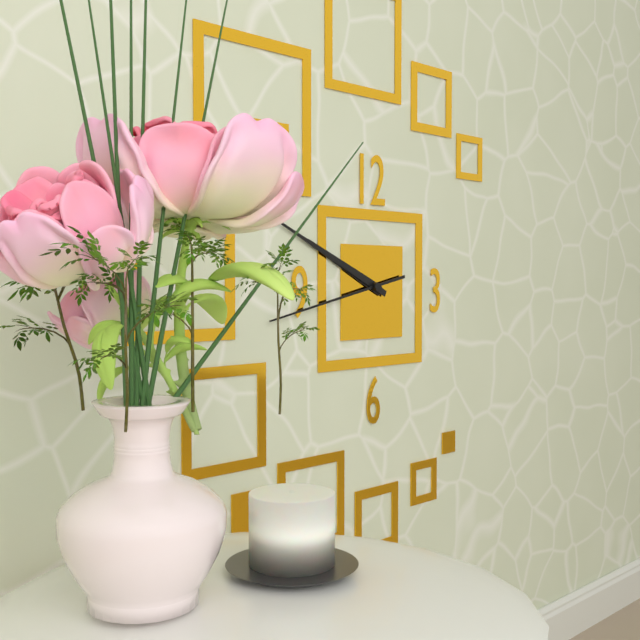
9:49:43
